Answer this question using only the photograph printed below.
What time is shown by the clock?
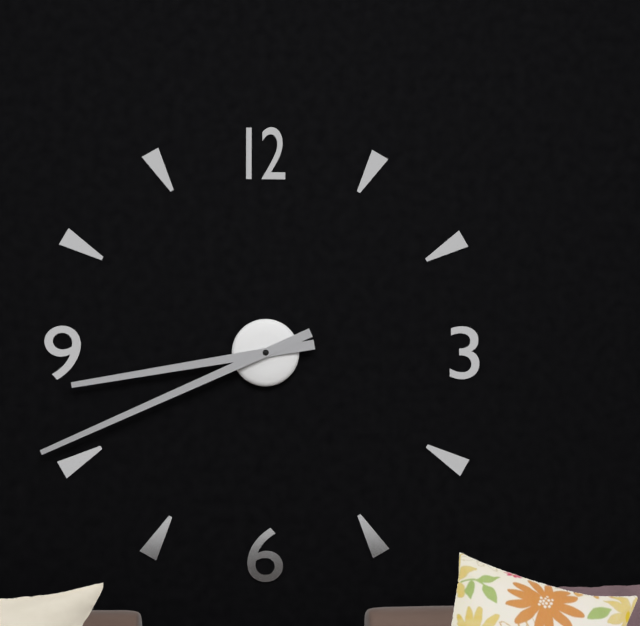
8:41
